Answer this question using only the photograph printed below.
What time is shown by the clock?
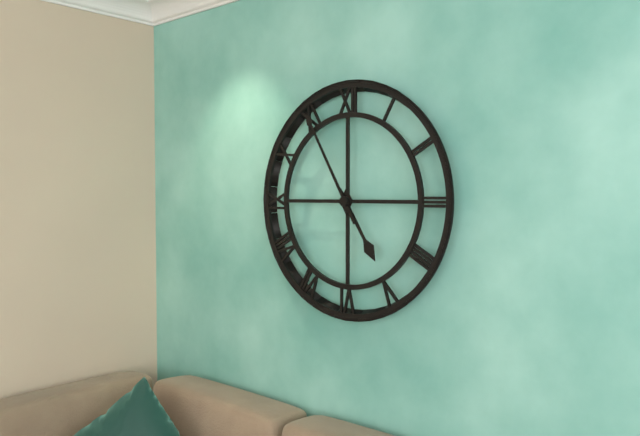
4:55
